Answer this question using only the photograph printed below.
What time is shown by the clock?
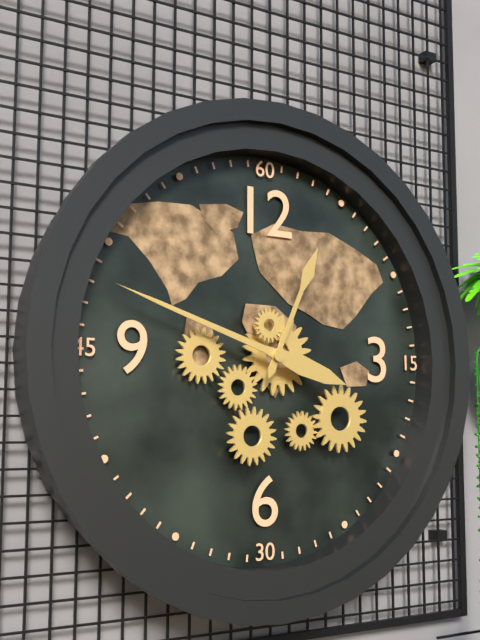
12:48
